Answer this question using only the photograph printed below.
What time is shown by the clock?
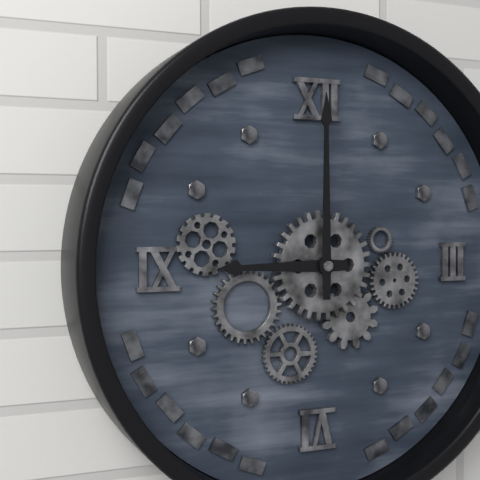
9:00
